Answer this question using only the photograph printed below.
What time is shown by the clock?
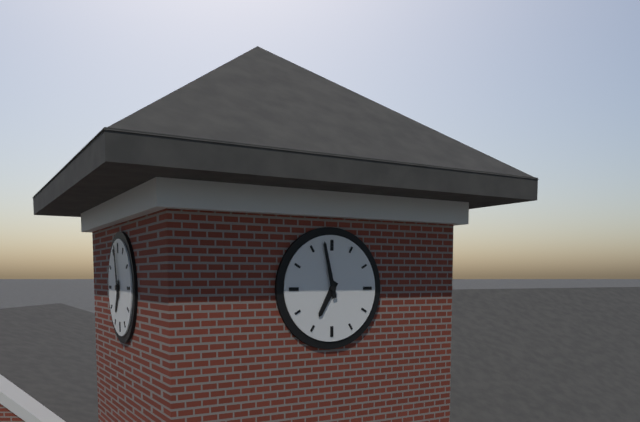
6:58
